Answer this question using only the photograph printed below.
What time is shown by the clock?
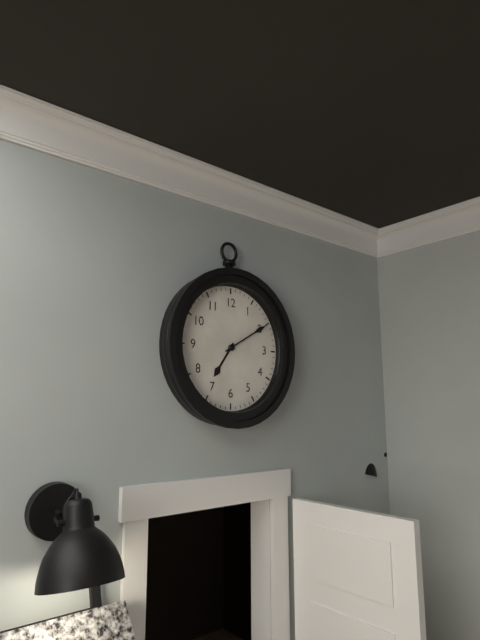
7:10
